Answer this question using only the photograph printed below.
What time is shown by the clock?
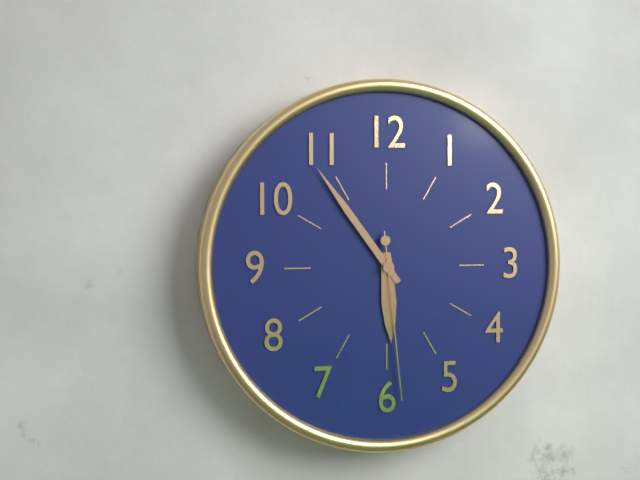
5:54:29
